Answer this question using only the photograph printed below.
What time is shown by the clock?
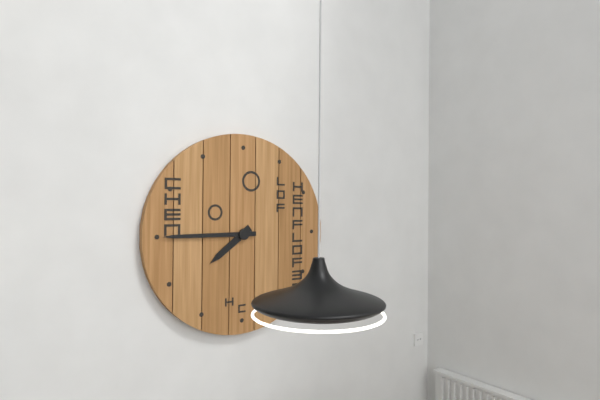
7:45
